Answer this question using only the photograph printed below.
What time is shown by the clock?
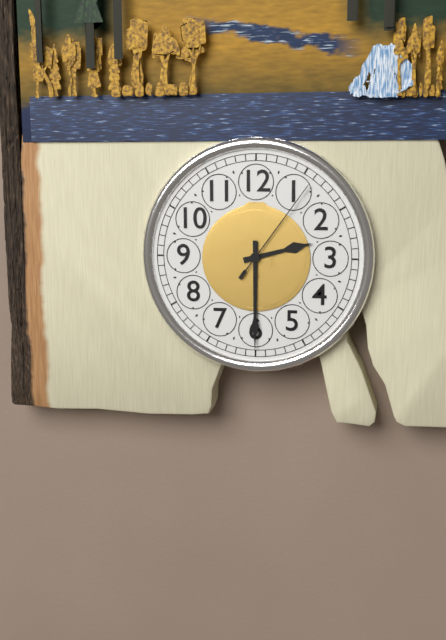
2:30:06
